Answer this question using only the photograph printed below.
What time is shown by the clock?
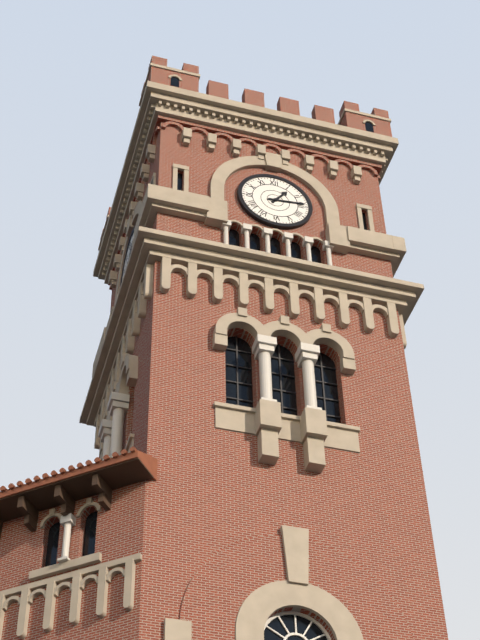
1:14
